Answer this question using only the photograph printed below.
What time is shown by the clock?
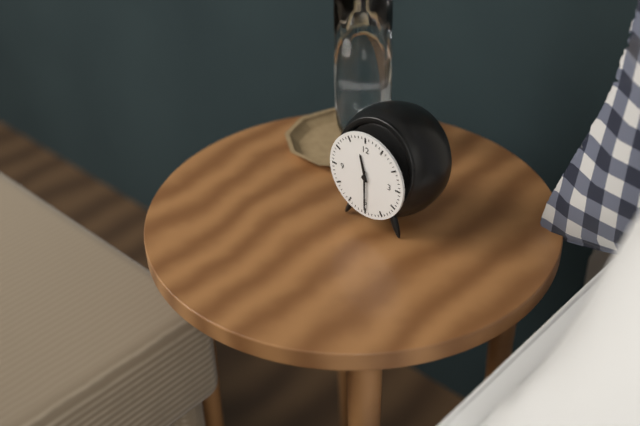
11:30
